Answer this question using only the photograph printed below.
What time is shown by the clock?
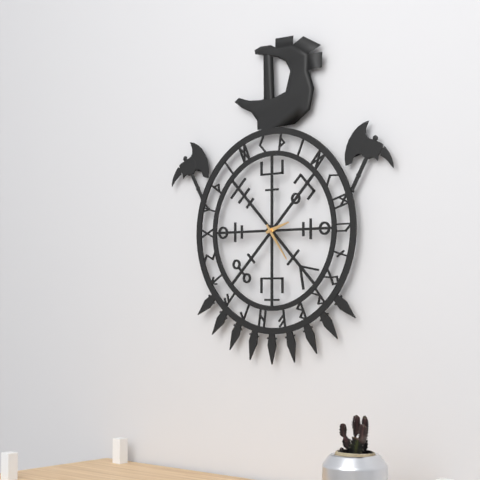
2:24
